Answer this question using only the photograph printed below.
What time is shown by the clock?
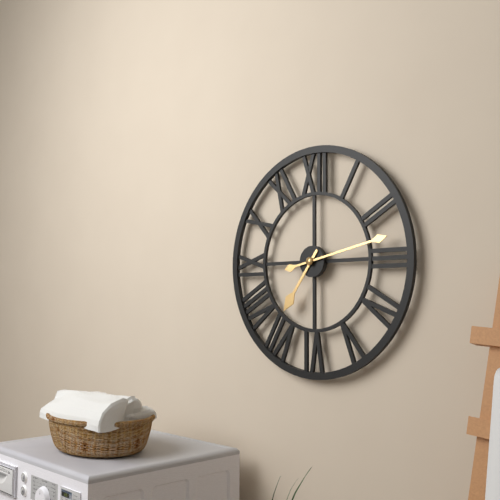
7:13
